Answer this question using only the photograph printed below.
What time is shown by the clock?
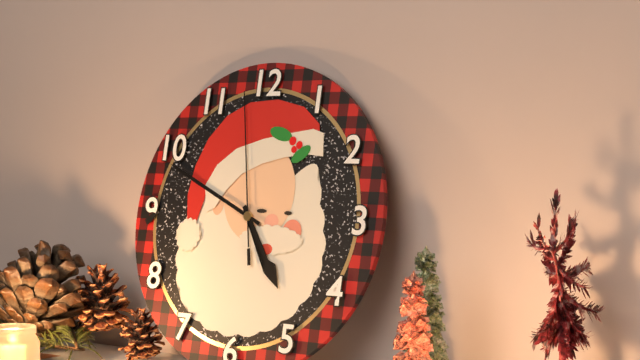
4:49:58
